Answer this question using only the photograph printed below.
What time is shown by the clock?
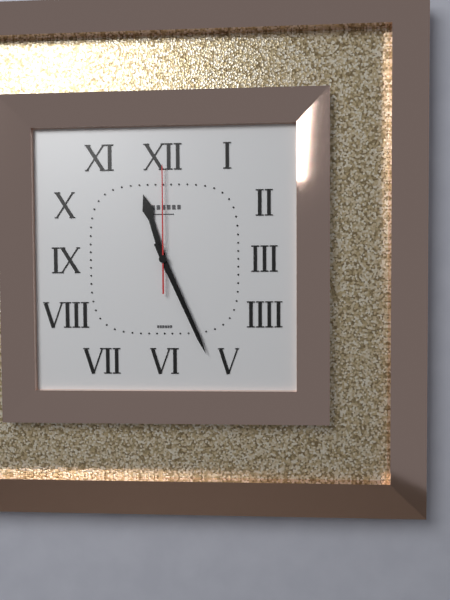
11:26:00
